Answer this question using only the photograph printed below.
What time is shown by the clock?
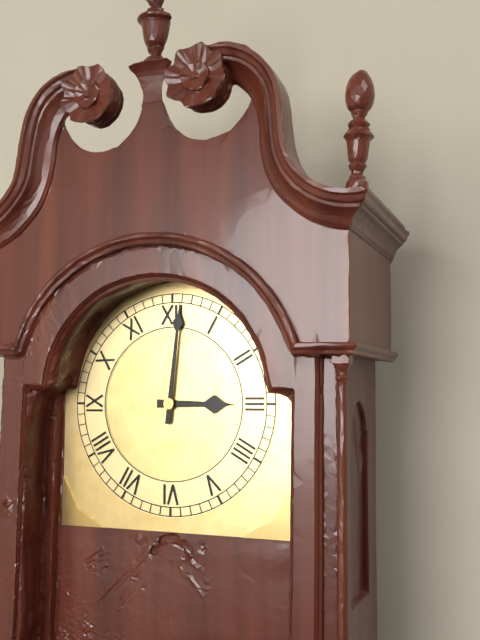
3:01
